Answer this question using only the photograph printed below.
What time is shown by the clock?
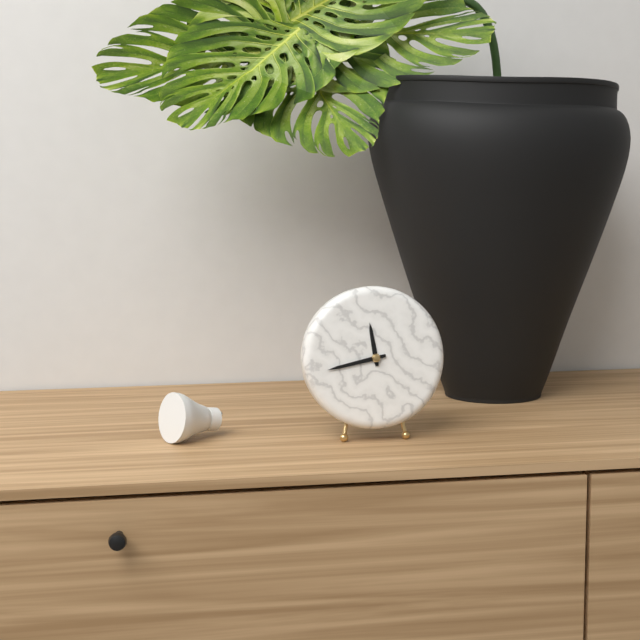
11:43
